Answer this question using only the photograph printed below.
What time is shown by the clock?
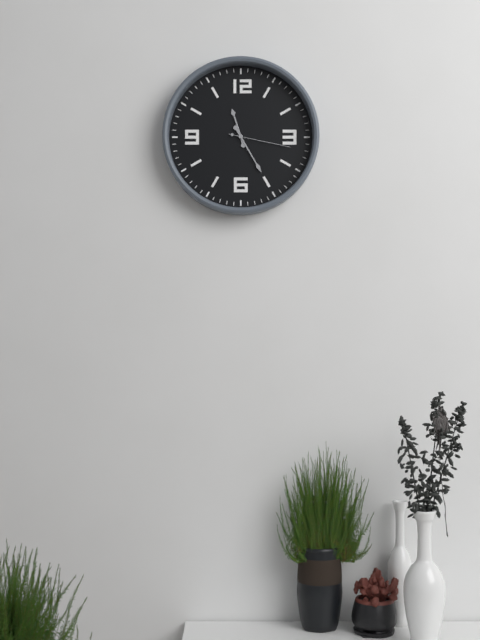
11:25:17
